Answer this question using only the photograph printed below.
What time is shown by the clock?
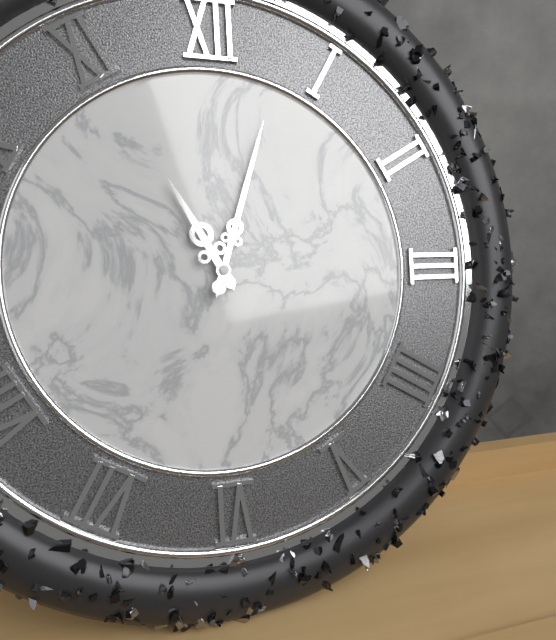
11:03
